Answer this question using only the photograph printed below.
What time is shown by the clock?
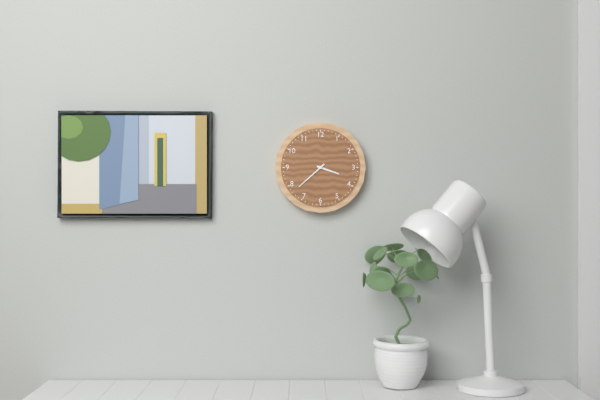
3:38
